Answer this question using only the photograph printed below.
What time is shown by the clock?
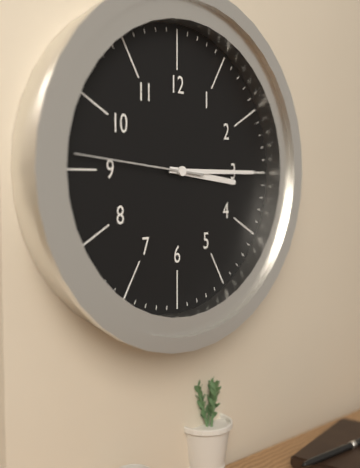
3:15:46
